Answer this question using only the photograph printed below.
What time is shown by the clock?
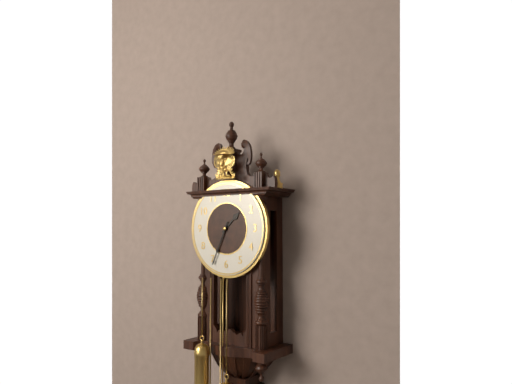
1:34
